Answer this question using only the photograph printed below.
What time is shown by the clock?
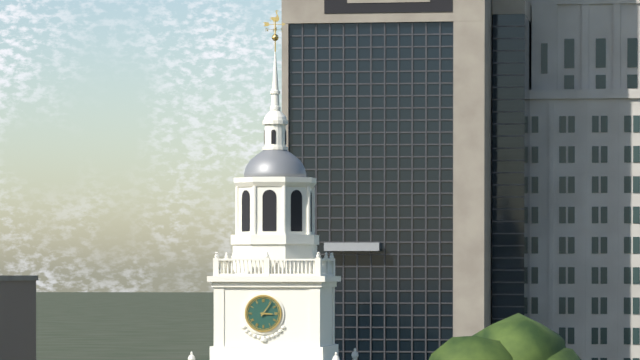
3:06
